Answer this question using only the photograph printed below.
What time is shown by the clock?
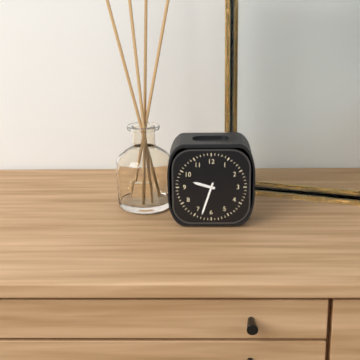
9:33
